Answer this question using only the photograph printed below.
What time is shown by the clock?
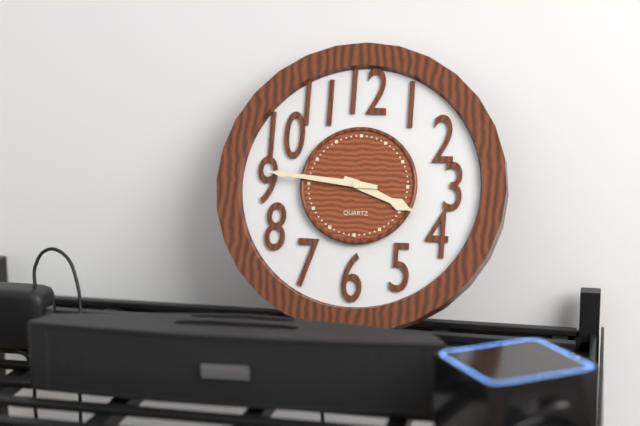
3:46
